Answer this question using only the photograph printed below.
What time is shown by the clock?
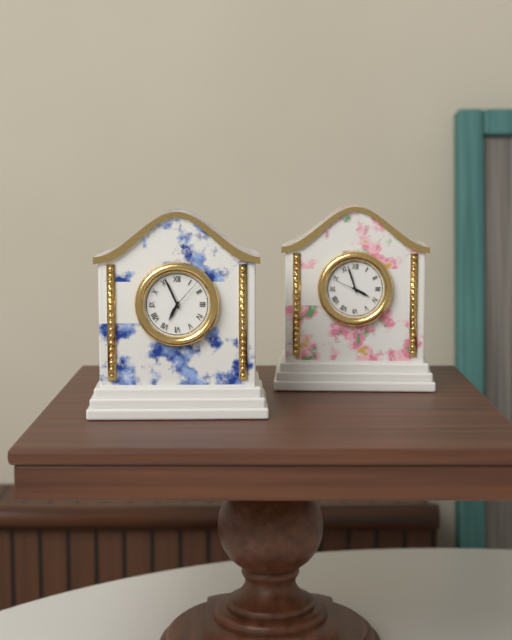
6:56
